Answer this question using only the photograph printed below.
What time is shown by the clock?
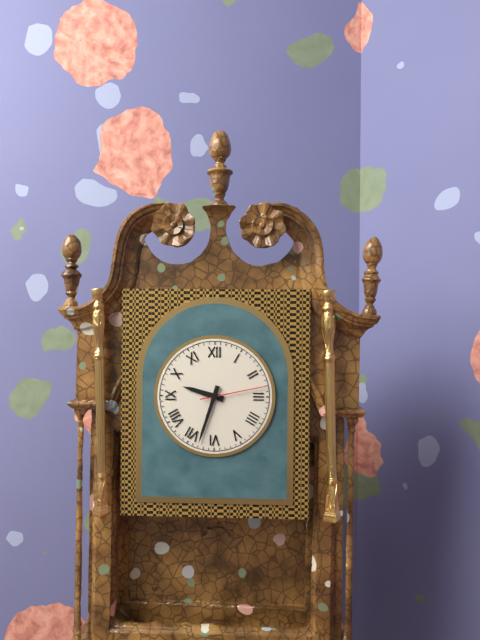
9:33:13
